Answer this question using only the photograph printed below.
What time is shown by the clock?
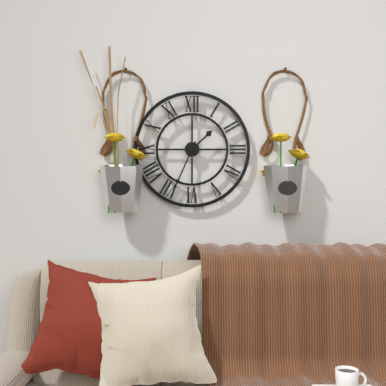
1:34
